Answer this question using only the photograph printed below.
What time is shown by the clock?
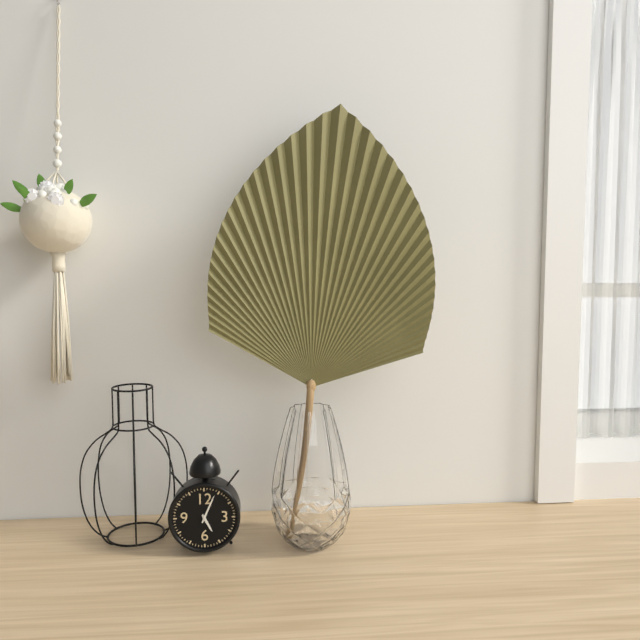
5:04
